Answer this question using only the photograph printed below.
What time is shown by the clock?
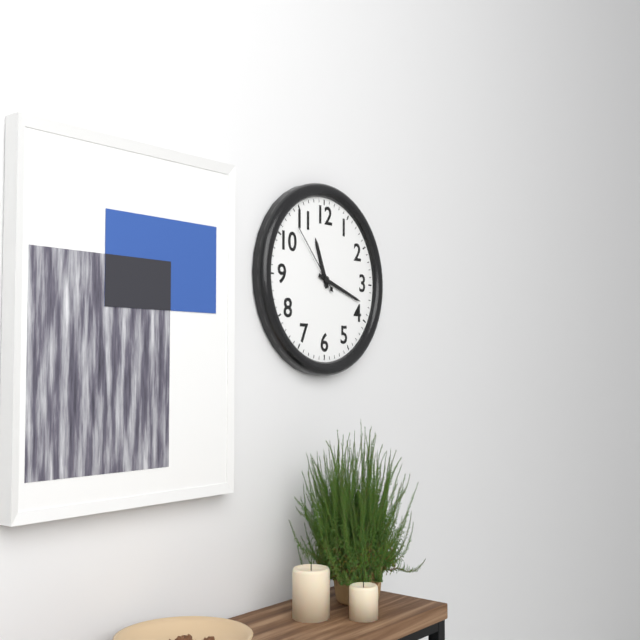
11:18:53
